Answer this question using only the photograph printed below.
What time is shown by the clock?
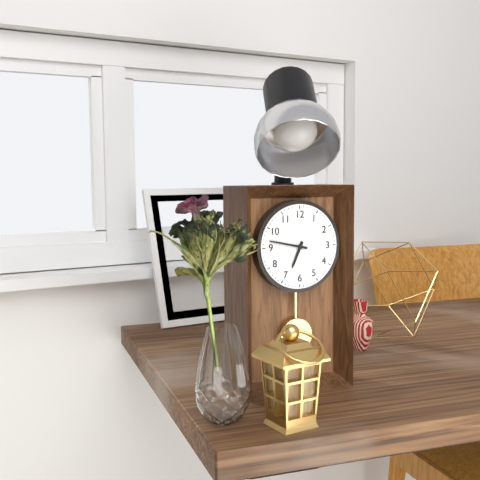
6:47
